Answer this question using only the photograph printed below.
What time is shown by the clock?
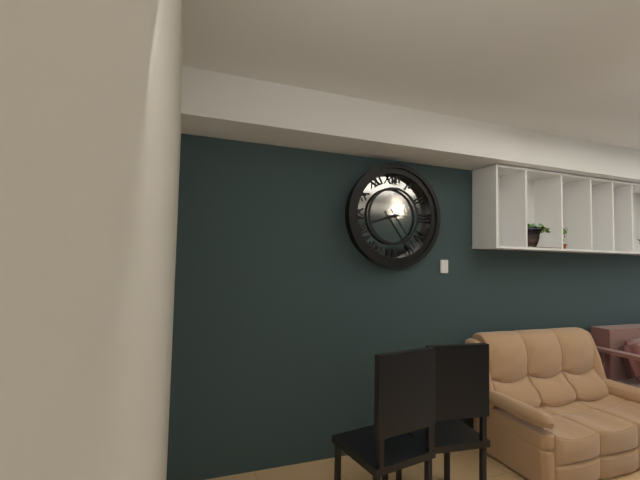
8:24
